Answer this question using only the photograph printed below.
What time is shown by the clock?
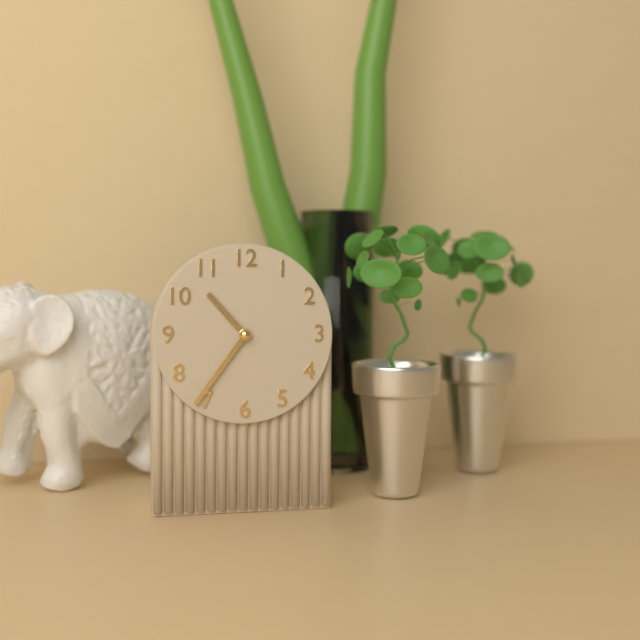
10:36
